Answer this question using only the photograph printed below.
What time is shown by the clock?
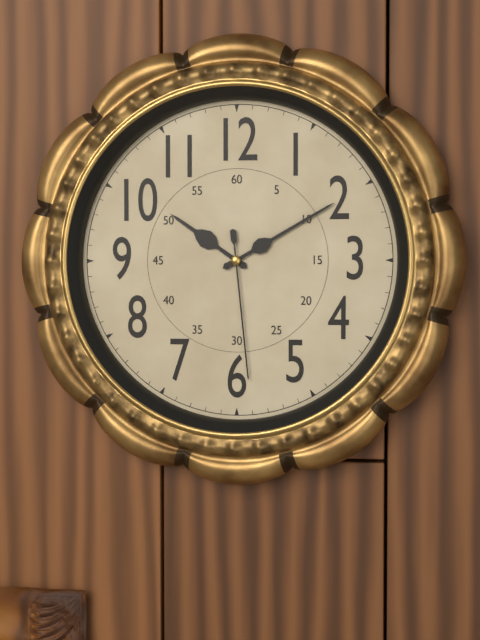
10:10:29
